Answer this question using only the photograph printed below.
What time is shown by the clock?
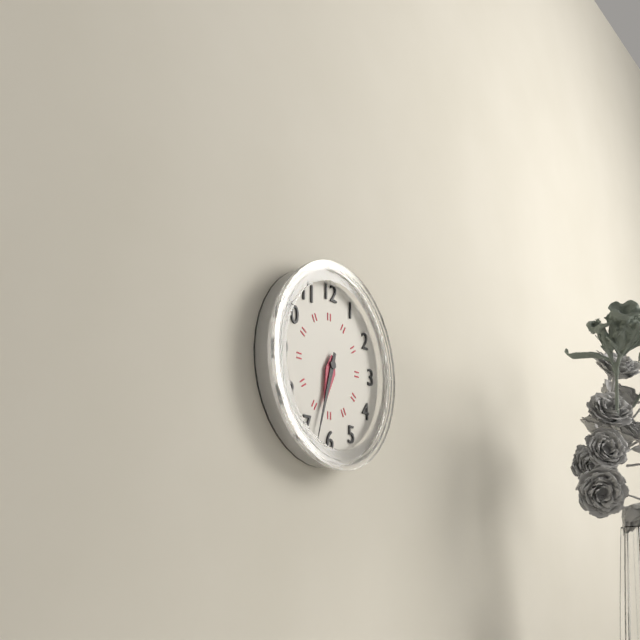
6:33
